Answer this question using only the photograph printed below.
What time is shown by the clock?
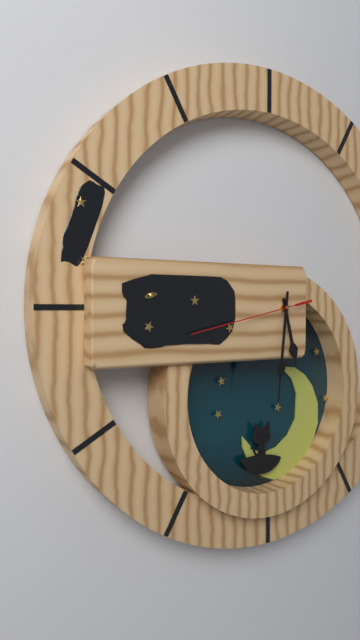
5:31:43
